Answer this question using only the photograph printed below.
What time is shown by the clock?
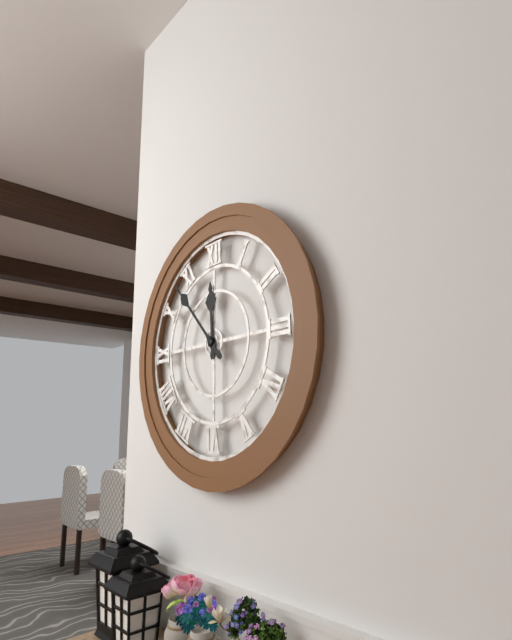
11:53
